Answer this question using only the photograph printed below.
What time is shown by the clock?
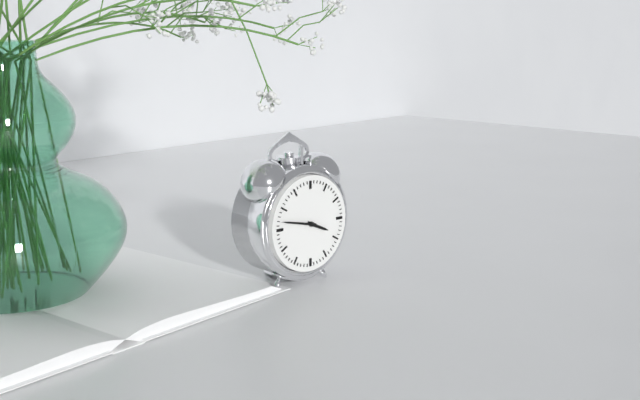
3:47
